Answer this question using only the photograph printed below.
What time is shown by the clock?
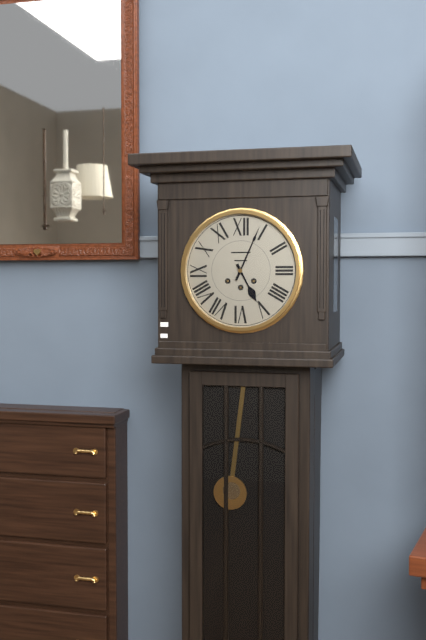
5:04
